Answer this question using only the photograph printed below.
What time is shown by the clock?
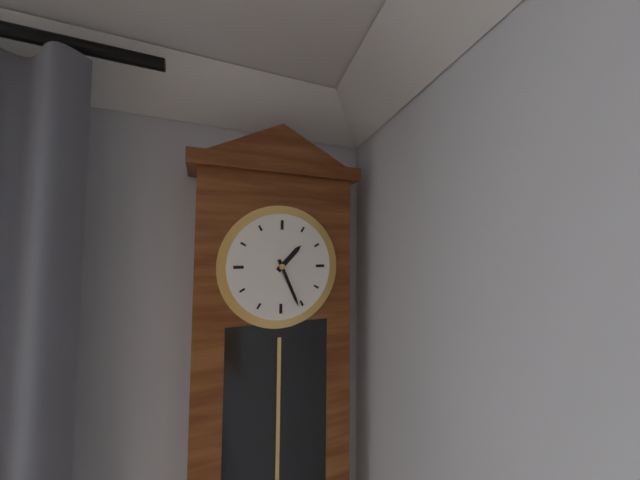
1:26
